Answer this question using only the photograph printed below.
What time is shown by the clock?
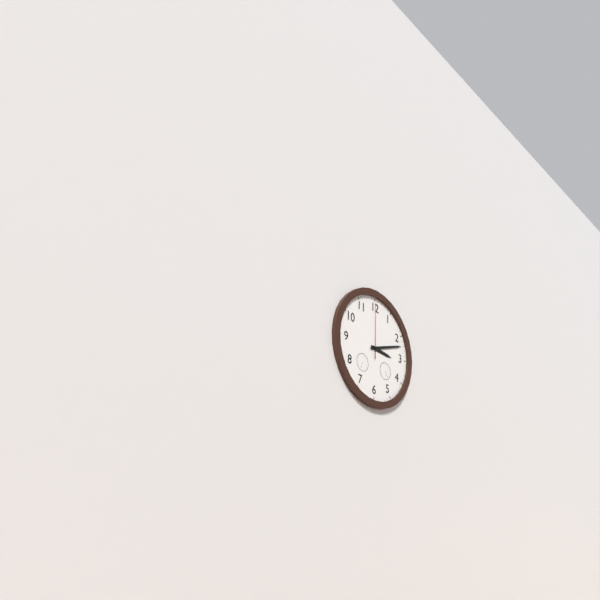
3:12:00
